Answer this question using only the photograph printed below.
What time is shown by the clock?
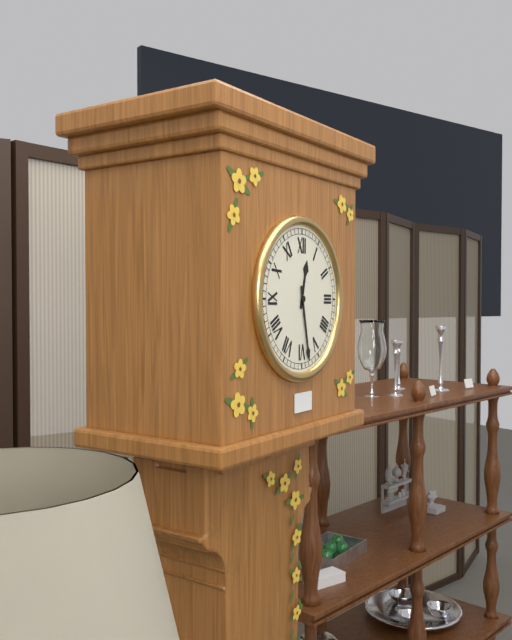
12:28
